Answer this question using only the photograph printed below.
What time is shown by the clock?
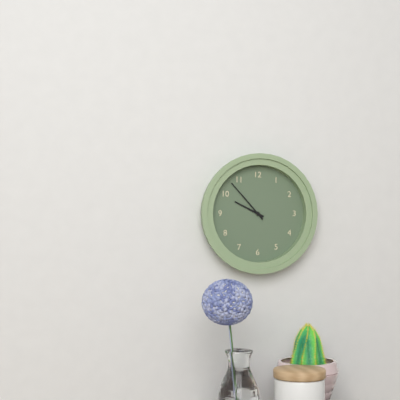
9:53
